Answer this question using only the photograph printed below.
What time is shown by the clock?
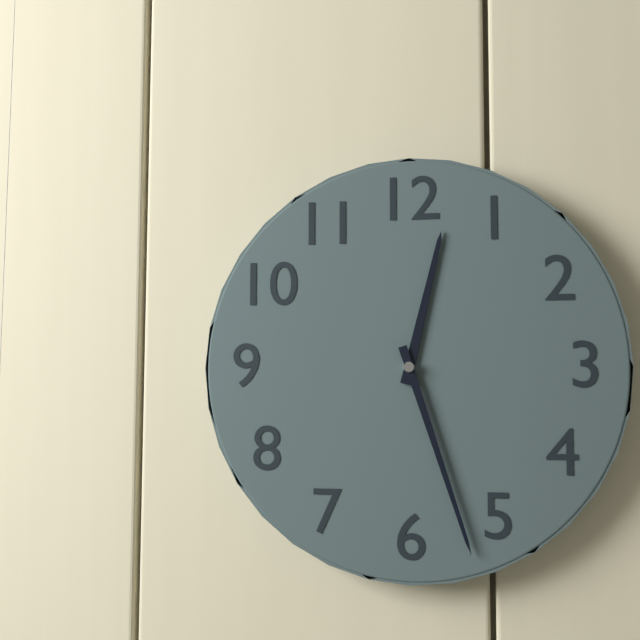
12:27
